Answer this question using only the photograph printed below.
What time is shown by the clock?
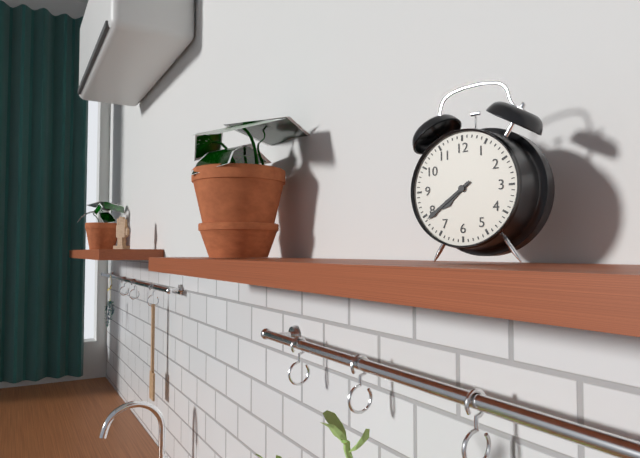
7:39
